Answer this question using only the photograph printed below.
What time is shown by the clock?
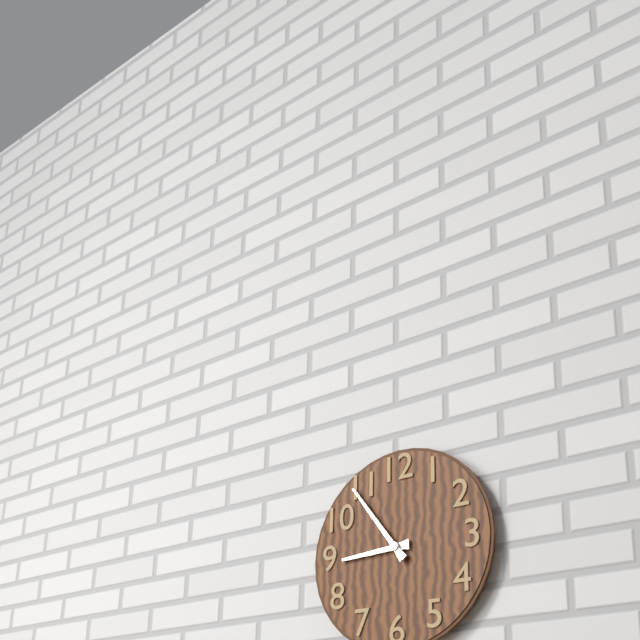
8:54
